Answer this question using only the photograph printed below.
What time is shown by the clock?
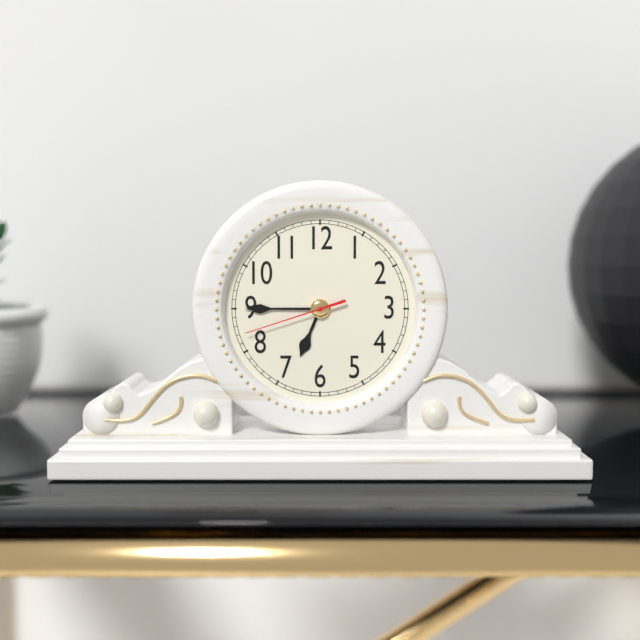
6:45:42
